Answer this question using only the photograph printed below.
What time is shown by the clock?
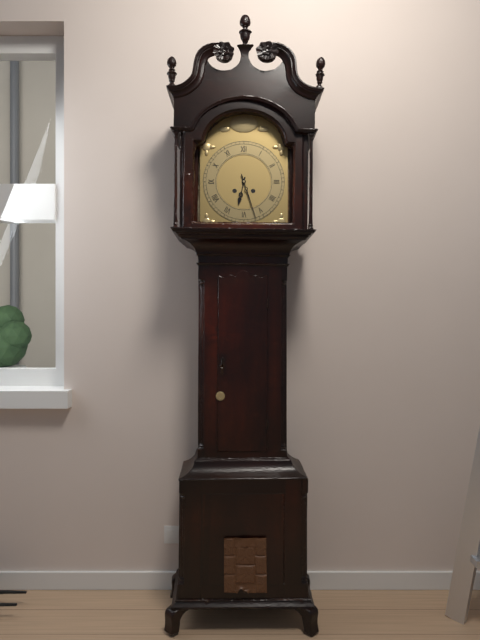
6:27
